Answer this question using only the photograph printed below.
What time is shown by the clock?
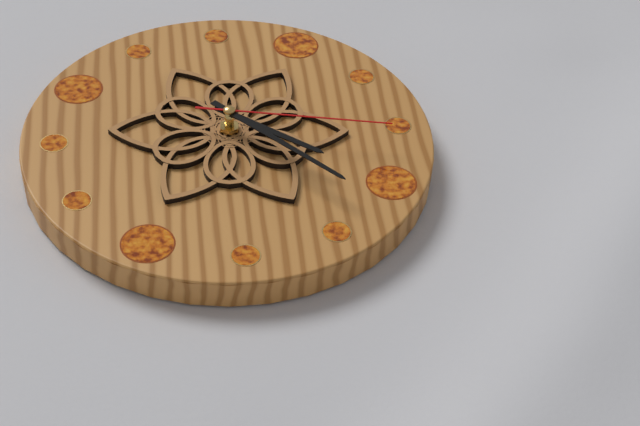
3:18:12
